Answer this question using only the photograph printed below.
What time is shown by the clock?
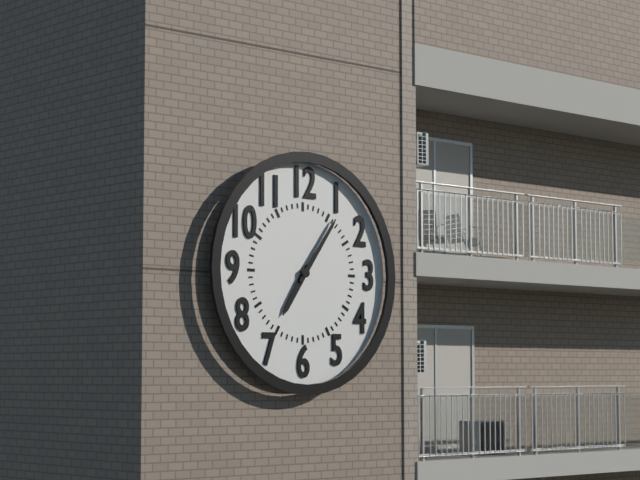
7:06
